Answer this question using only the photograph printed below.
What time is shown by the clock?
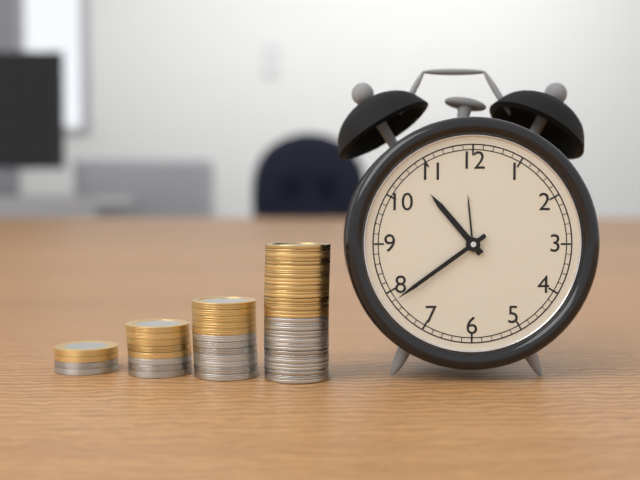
10:39
